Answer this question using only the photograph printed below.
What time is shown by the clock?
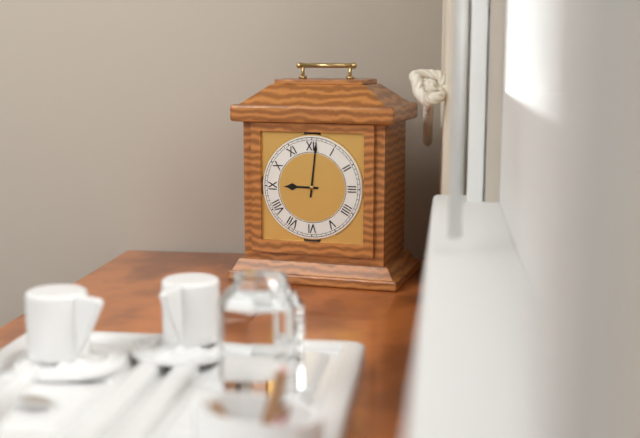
9:01
